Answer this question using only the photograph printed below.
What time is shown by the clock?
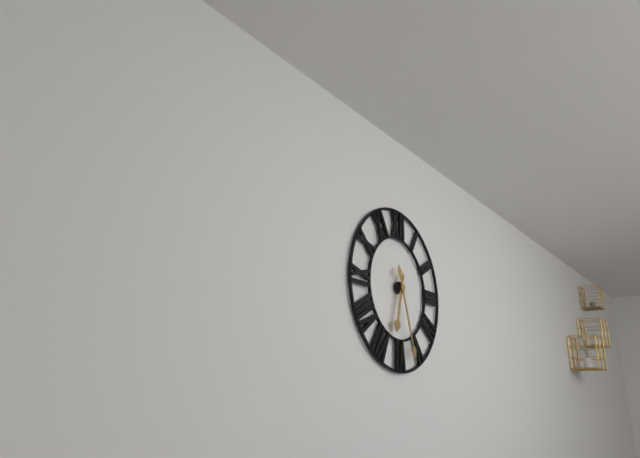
6:27
